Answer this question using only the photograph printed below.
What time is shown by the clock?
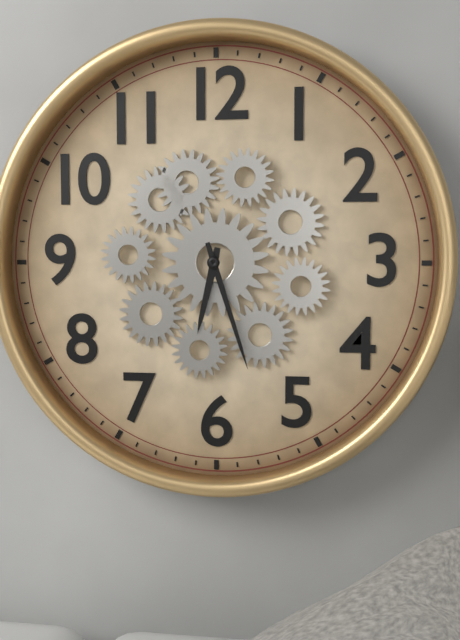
6:27
